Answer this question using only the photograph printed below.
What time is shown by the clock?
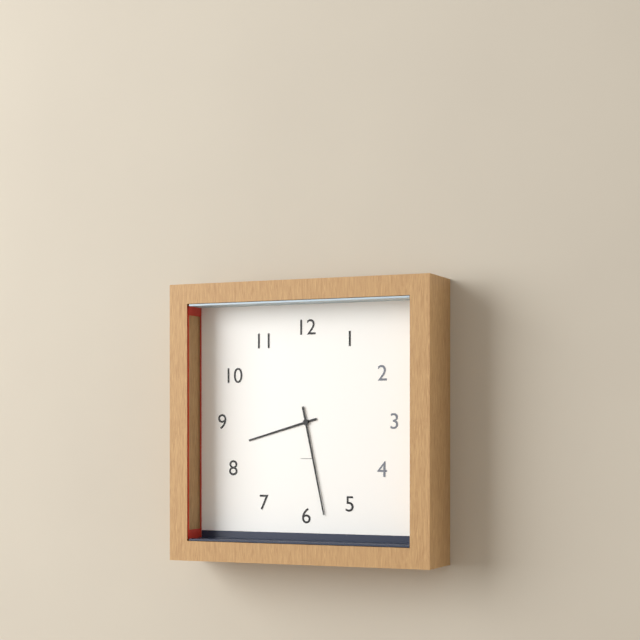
8:28
